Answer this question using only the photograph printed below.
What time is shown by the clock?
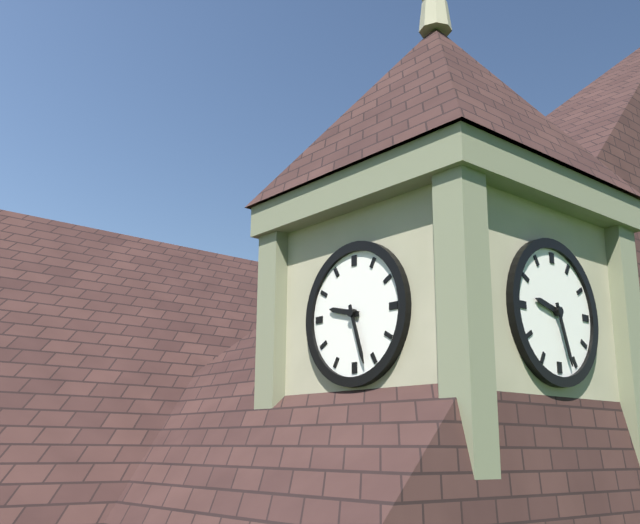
9:27
